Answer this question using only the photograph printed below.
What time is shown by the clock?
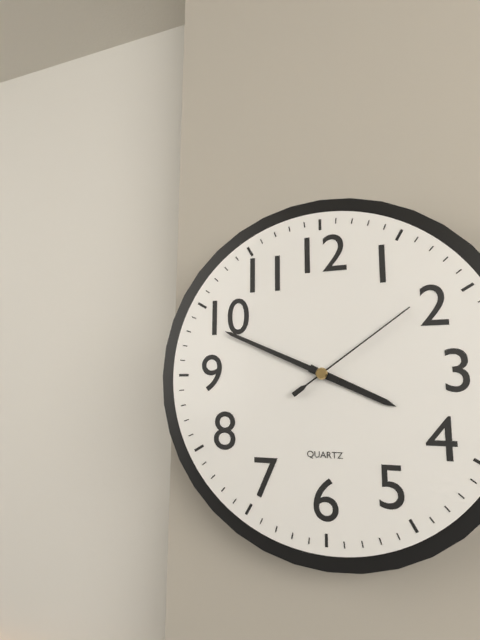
3:49:09
